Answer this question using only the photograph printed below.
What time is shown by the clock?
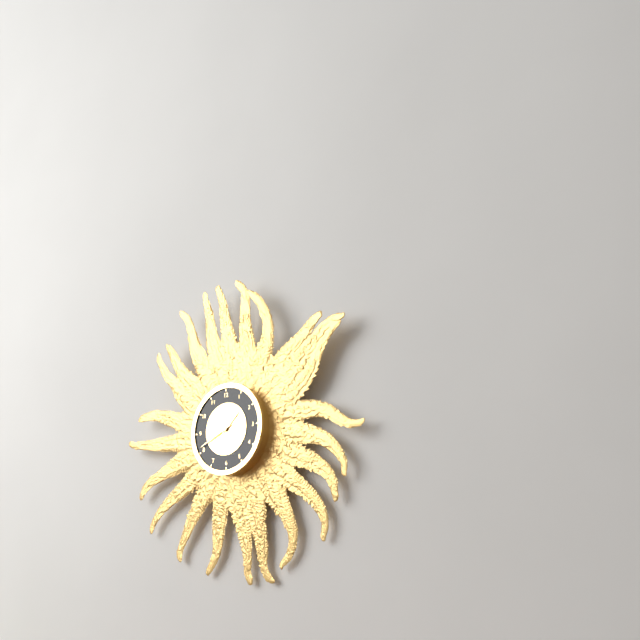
1:41
